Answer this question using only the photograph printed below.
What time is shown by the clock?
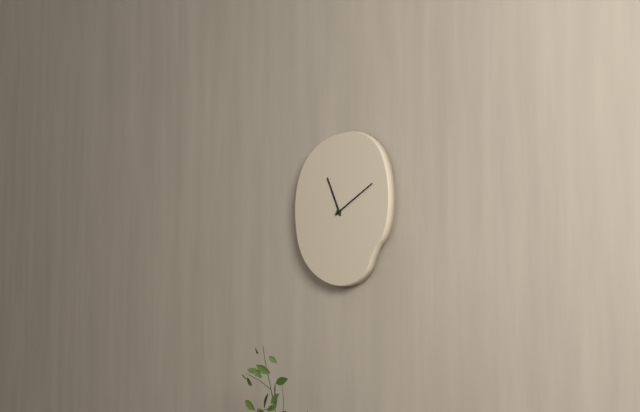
11:10
